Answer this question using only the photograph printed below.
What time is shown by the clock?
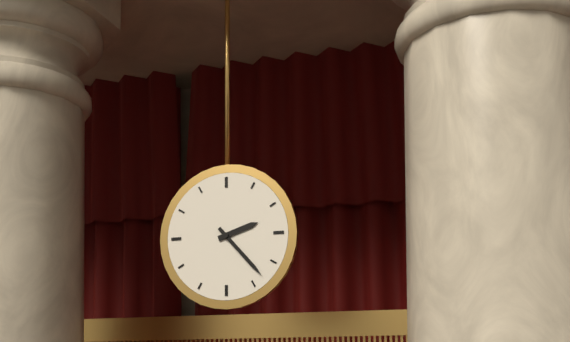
2:23
